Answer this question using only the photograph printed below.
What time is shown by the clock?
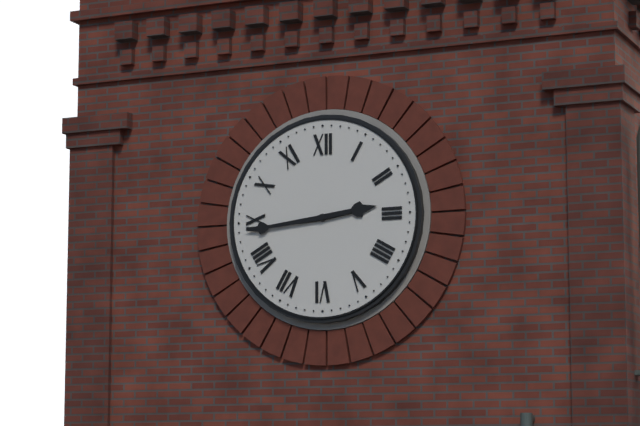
2:44
